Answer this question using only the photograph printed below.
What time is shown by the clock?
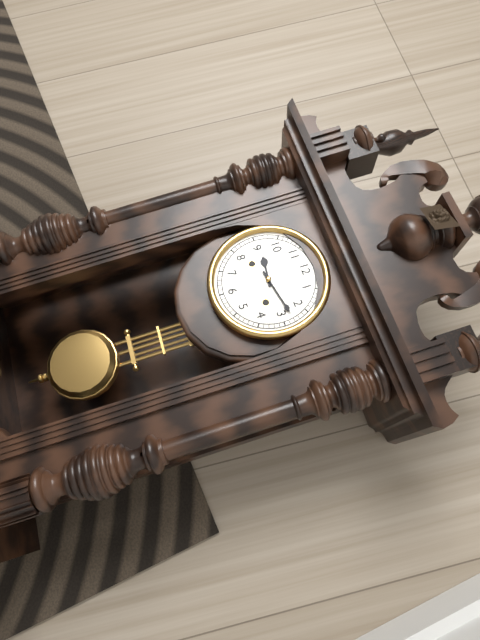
9:13
